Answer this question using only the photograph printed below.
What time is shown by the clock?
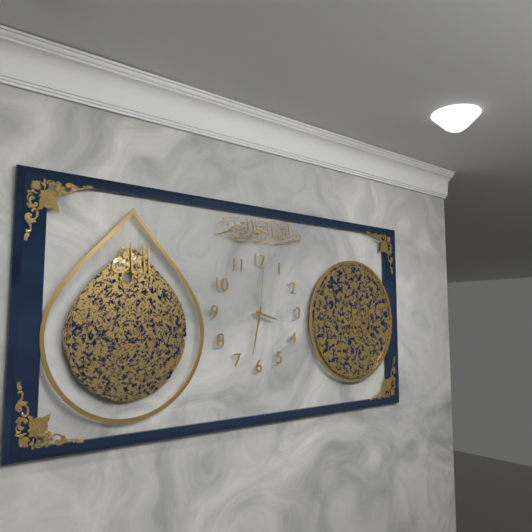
3:32:01
